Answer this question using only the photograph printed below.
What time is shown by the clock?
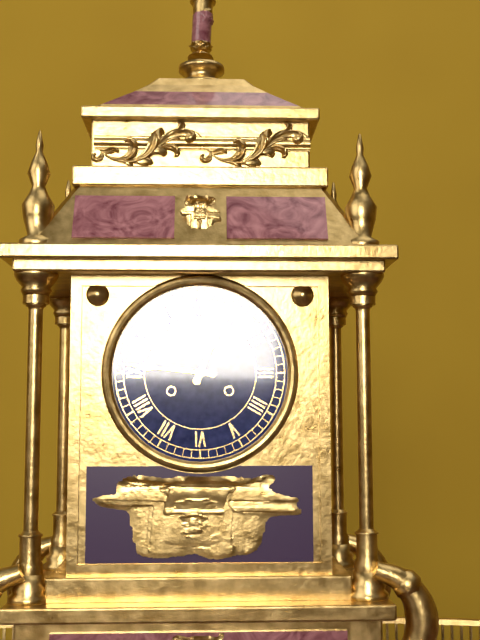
12:46
